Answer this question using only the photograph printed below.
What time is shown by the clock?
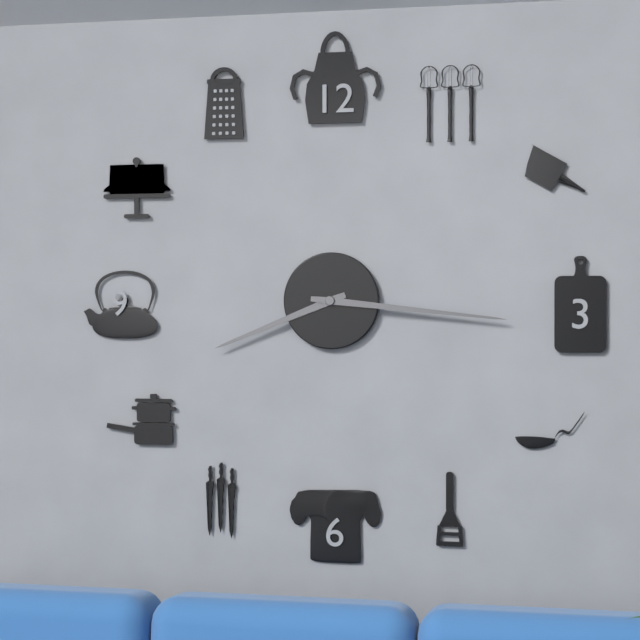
8:16
